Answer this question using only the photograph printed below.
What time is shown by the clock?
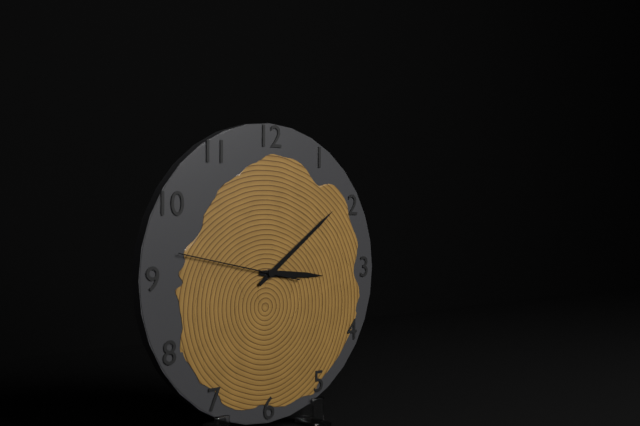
3:09:47
